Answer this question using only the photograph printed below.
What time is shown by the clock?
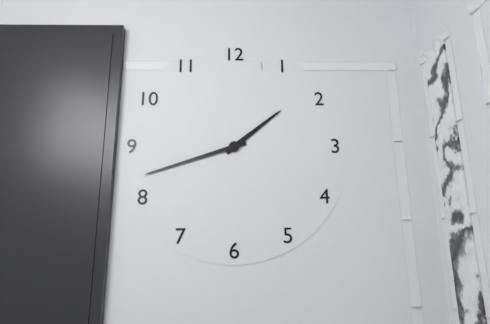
1:42
